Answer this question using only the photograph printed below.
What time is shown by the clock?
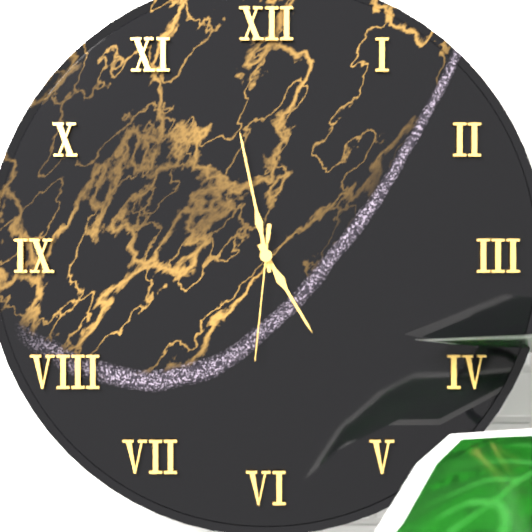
4:58:31
